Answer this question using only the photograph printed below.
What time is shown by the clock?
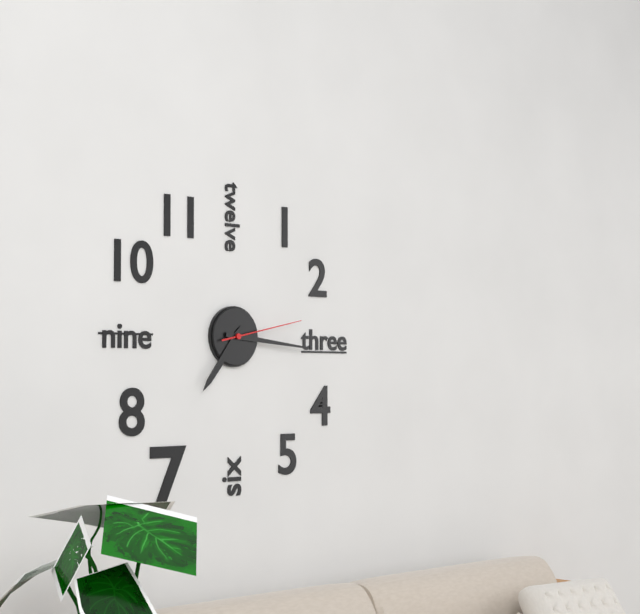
7:16:13
